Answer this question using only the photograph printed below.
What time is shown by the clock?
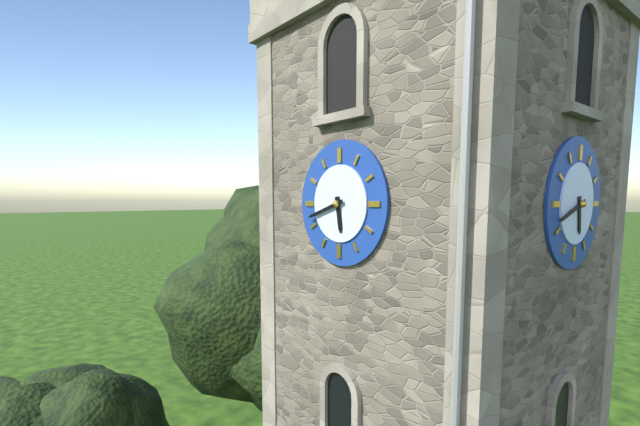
5:42
